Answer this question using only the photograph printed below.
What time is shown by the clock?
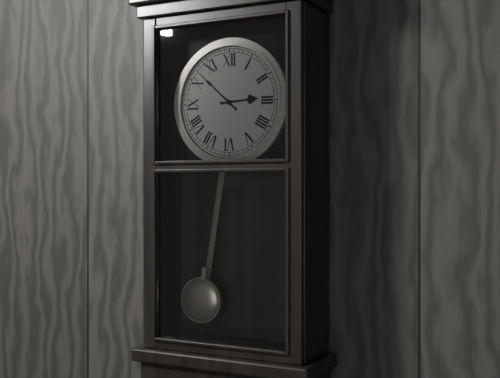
2:52
